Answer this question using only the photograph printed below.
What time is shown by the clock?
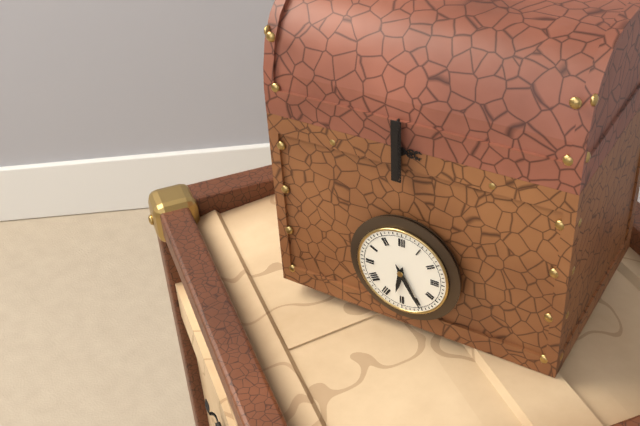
6:25
